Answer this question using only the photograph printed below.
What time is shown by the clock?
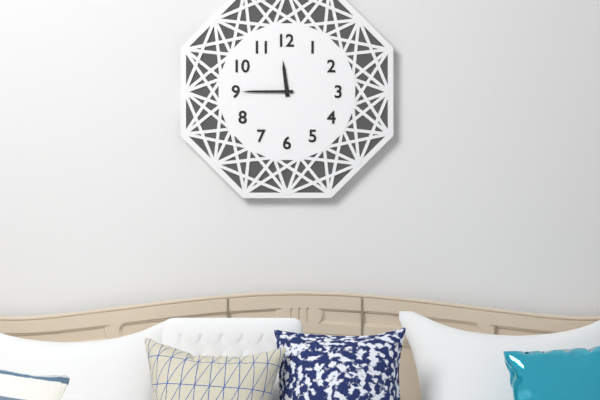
11:45
